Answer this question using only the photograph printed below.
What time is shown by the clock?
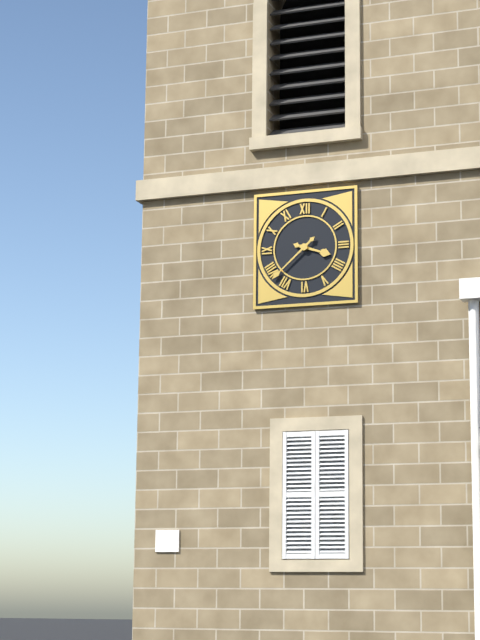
3:38
